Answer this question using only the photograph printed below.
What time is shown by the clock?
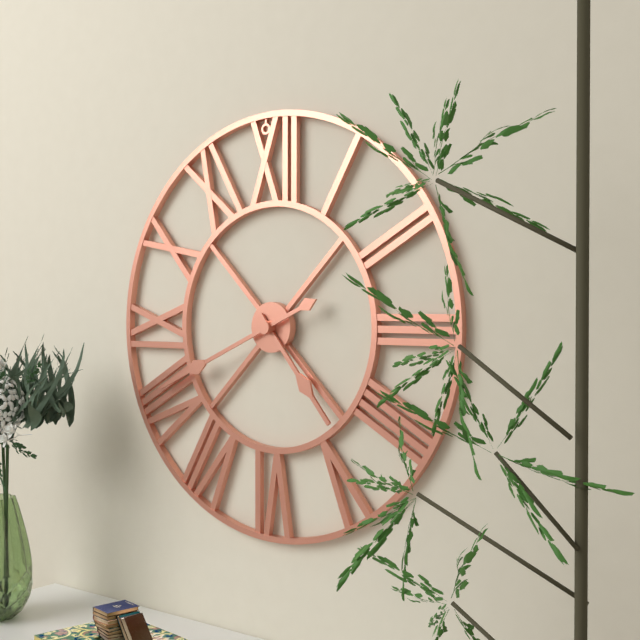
4:41
